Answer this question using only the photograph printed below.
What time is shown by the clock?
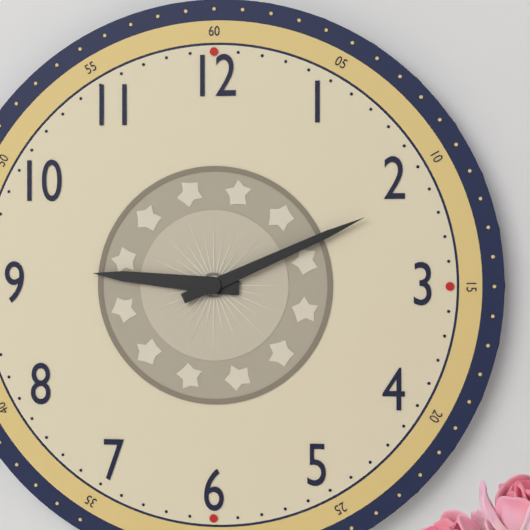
9:11
